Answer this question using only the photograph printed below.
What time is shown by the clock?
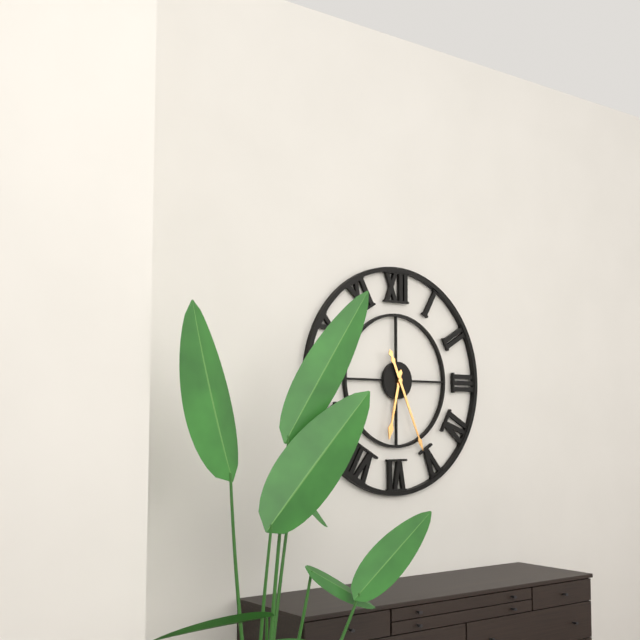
6:26
